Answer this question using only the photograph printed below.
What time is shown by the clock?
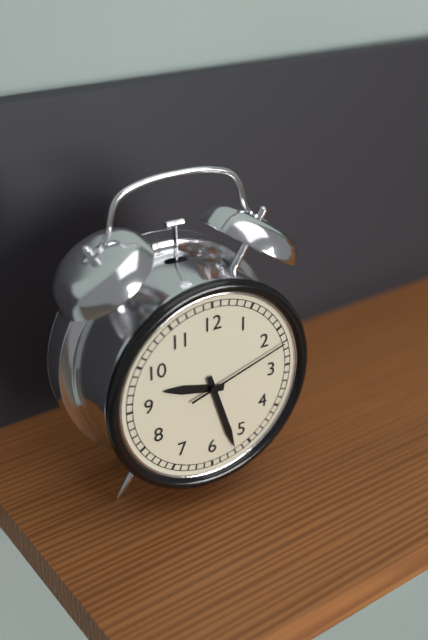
9:27:12
